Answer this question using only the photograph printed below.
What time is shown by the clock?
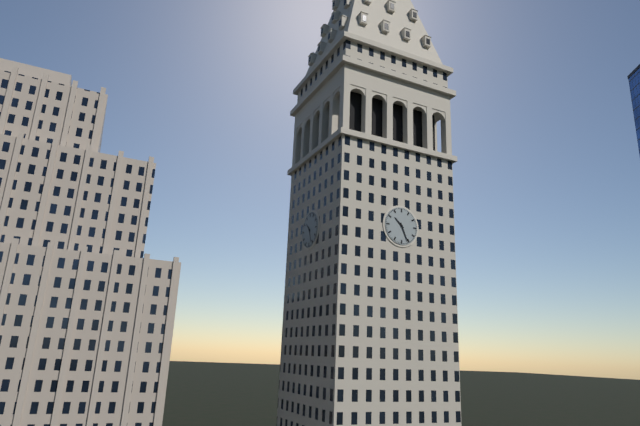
10:26
